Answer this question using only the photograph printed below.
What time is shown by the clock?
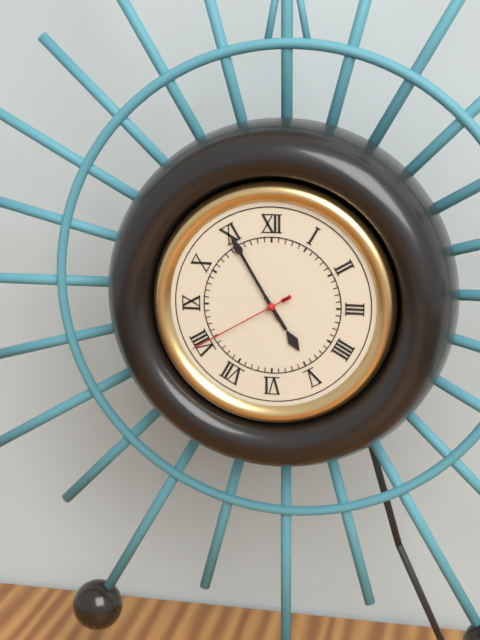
4:55:40
